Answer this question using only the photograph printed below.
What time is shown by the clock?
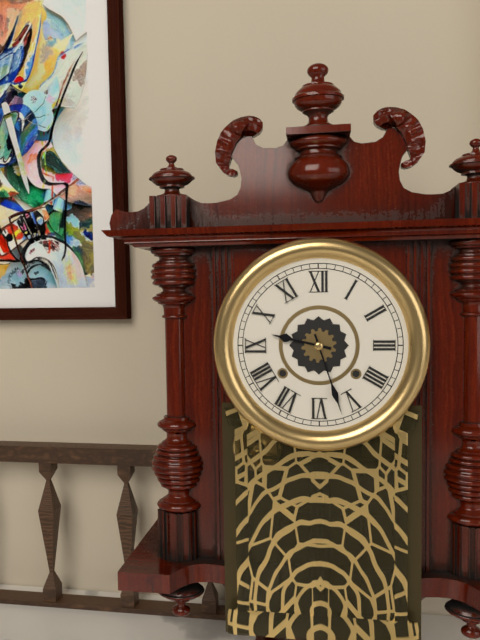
9:27
